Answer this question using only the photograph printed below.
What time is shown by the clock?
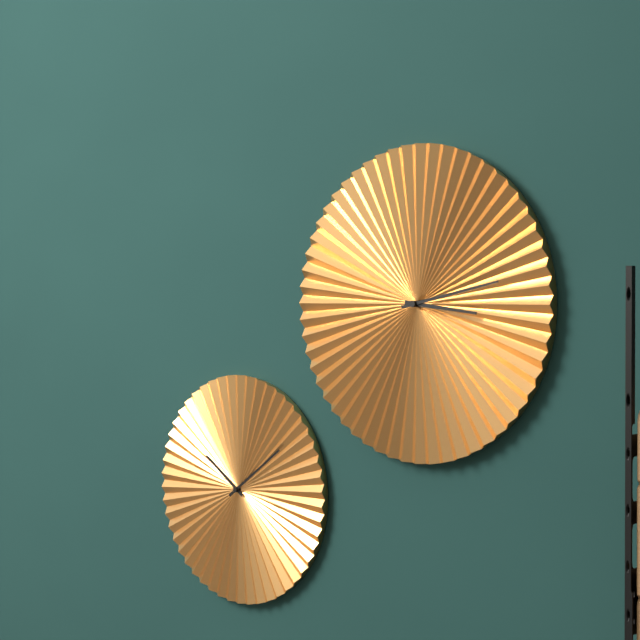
3:13
